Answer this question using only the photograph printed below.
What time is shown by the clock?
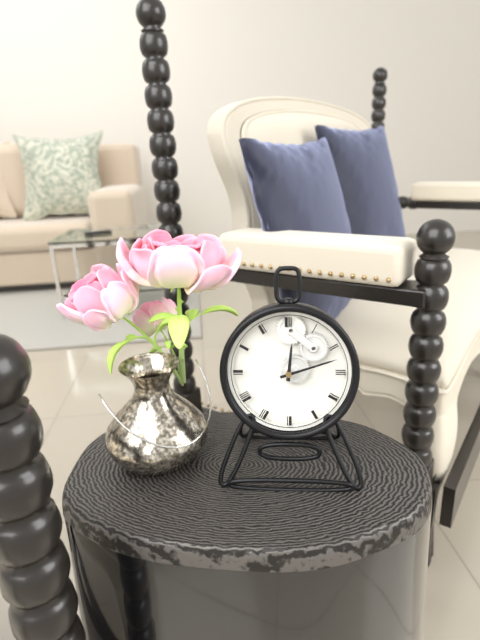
12:12
